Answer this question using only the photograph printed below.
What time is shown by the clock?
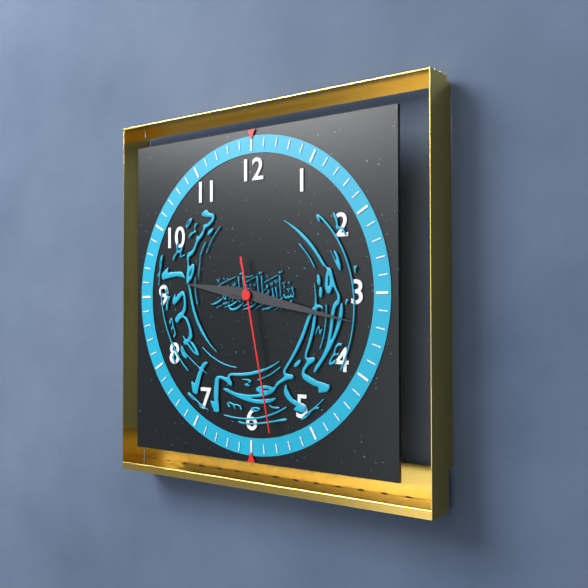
9:17:28
